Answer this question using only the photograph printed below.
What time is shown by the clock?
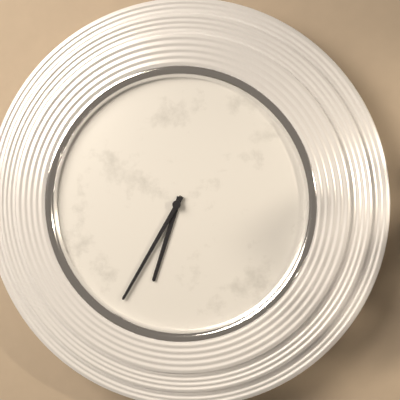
6:35
